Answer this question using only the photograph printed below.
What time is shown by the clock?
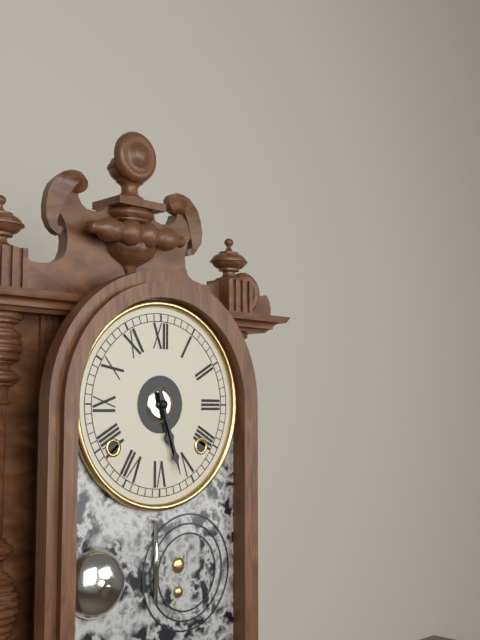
5:27
